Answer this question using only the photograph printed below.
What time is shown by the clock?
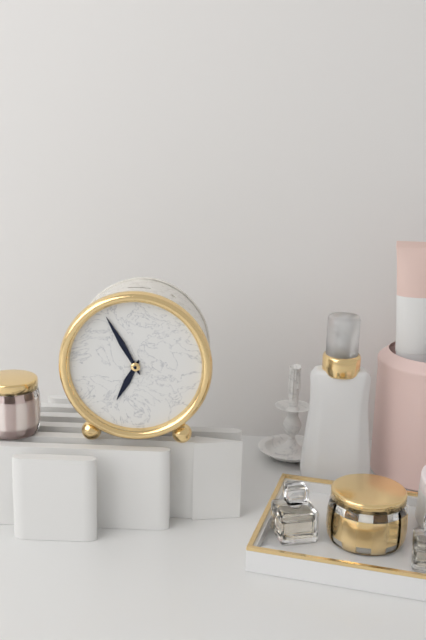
6:55
